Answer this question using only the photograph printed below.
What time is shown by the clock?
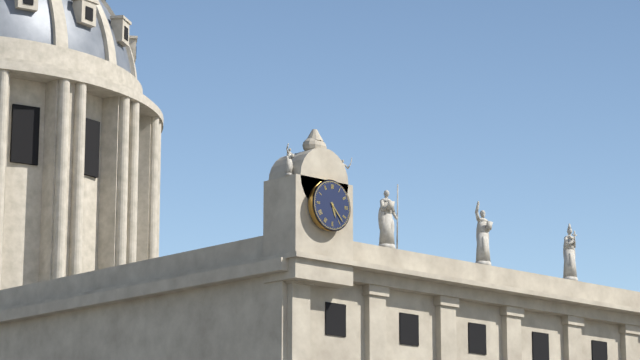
5:23
